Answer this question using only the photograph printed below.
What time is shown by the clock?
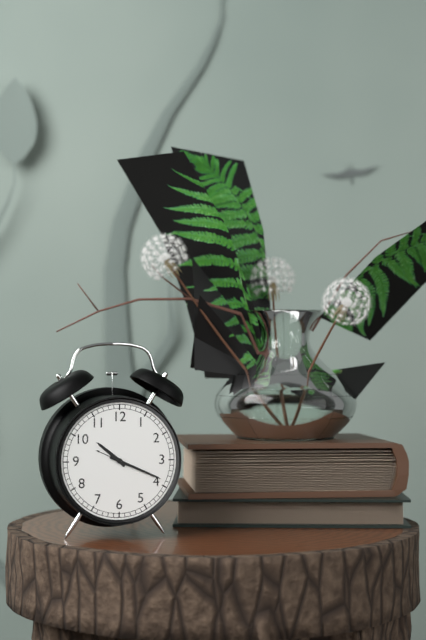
10:19
